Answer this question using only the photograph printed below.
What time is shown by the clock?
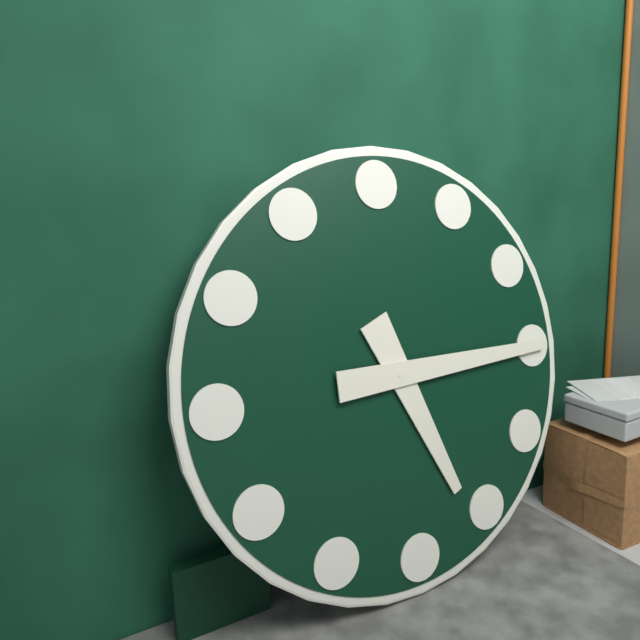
5:15
